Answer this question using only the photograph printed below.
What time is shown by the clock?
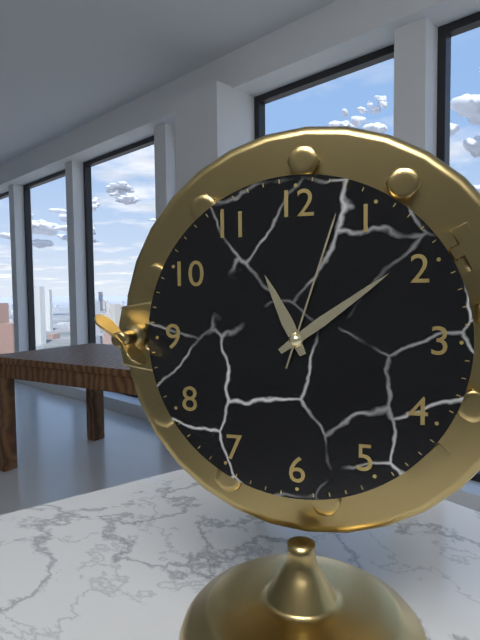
11:09:03
